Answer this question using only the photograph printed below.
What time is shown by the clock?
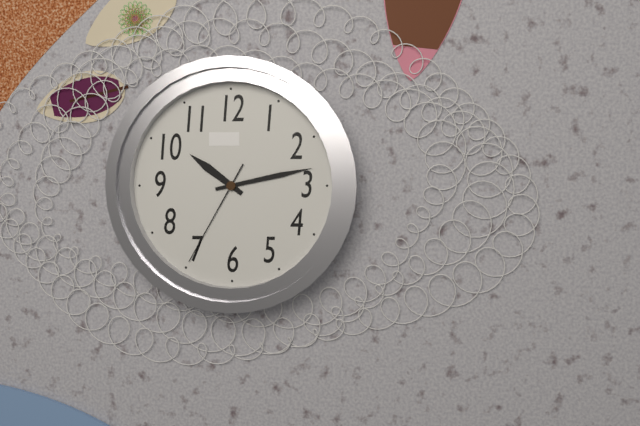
10:13:35
